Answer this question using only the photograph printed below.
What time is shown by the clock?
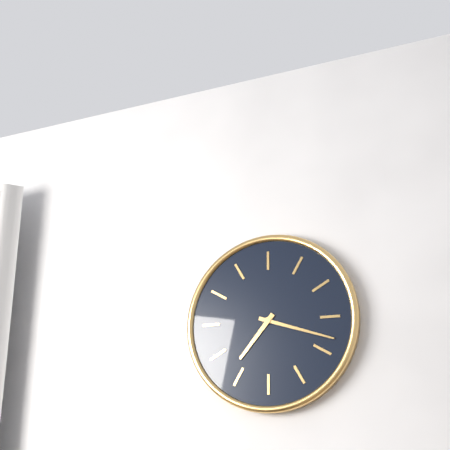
7:18
